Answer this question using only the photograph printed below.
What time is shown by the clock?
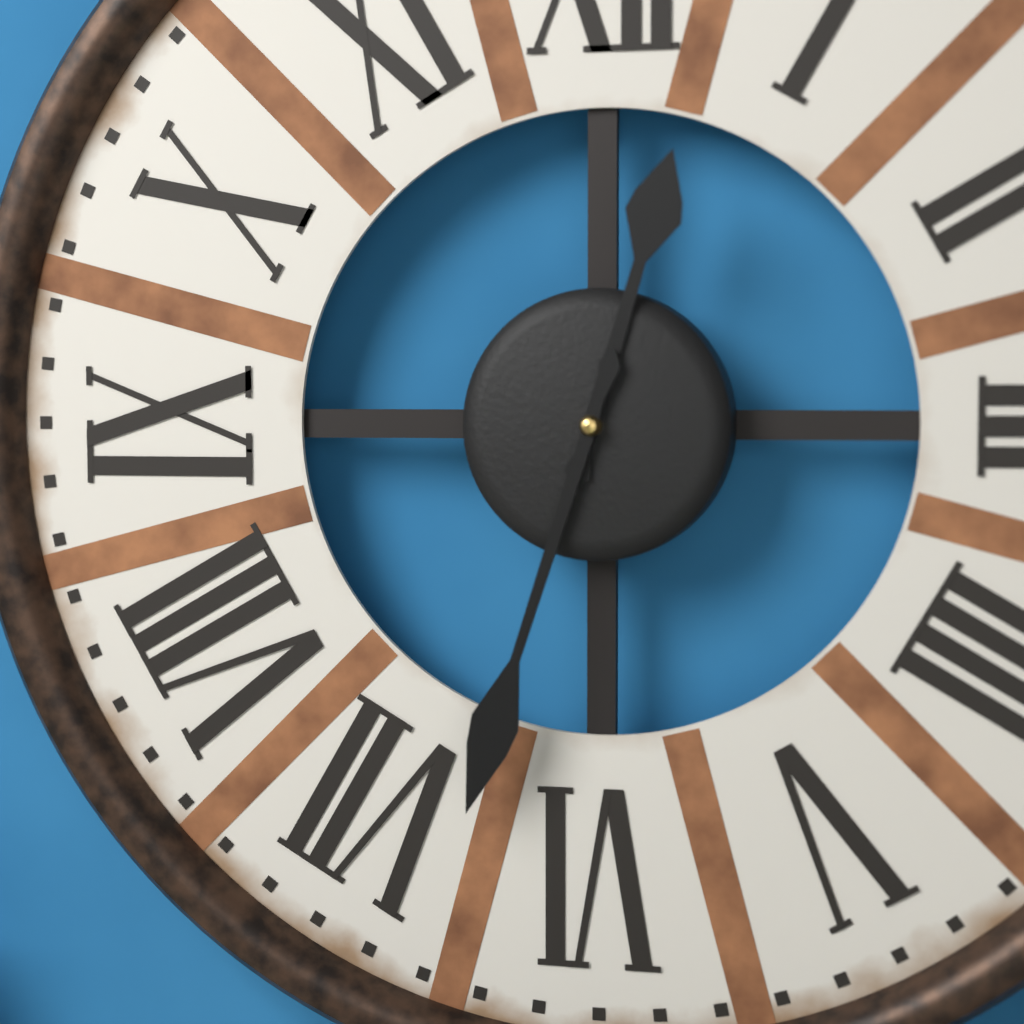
12:33
